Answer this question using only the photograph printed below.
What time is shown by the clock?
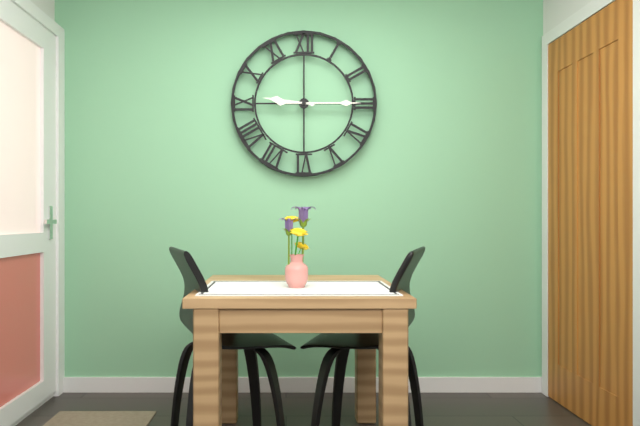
9:15
